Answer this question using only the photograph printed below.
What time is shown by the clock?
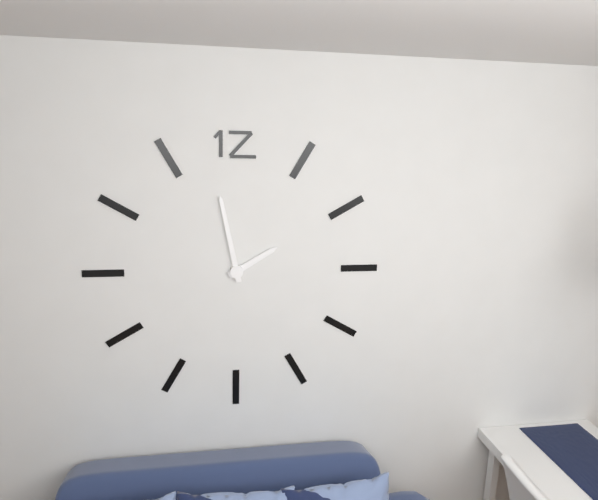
1:58
